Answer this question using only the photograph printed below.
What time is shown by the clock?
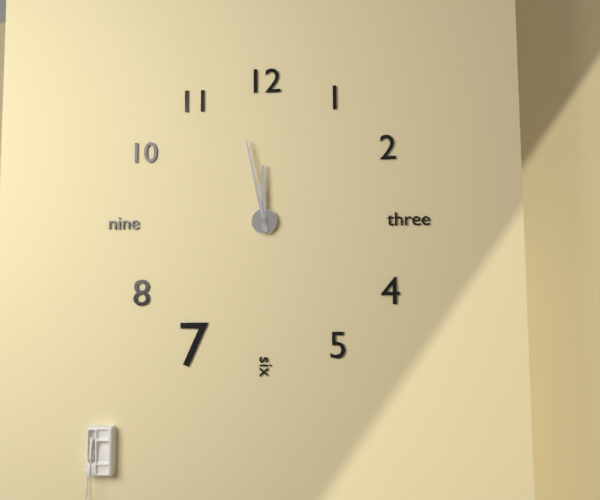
11:58
